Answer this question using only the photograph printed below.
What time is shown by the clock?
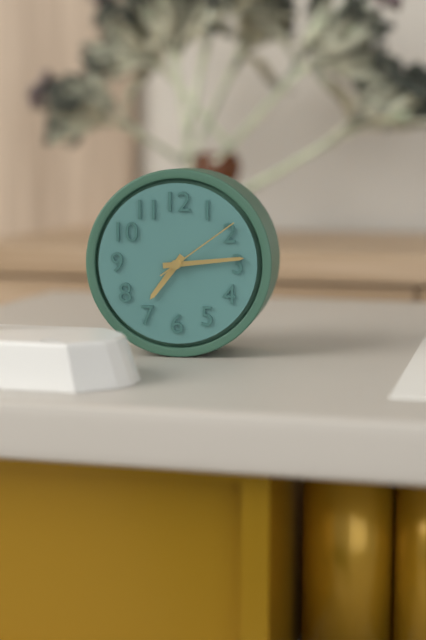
7:14:09
